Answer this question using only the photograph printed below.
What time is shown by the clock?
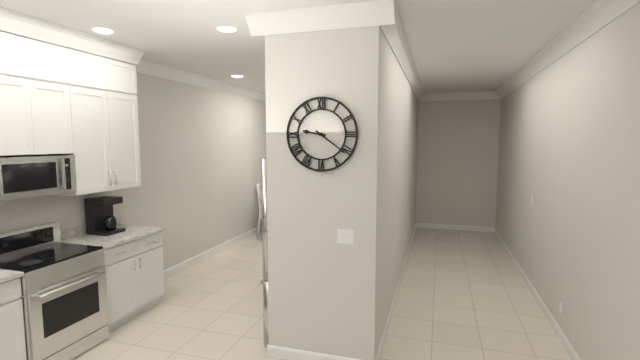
9:21
